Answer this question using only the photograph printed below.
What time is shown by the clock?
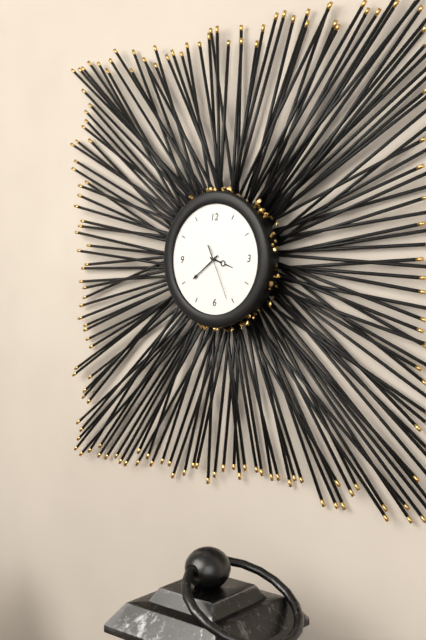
3:39:26
